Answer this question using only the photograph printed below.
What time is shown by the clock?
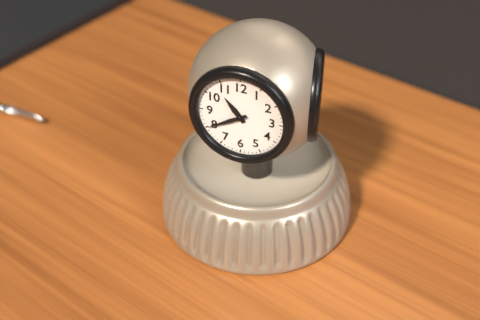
10:40
